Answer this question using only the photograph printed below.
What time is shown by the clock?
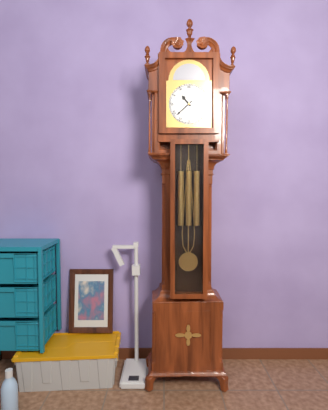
10:38
